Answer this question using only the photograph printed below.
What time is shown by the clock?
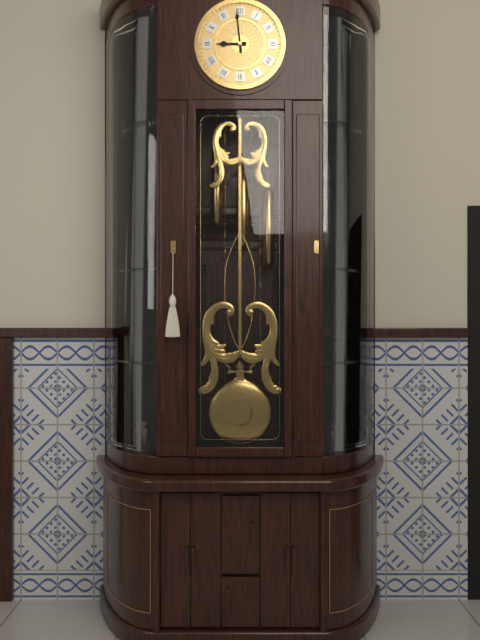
8:59
